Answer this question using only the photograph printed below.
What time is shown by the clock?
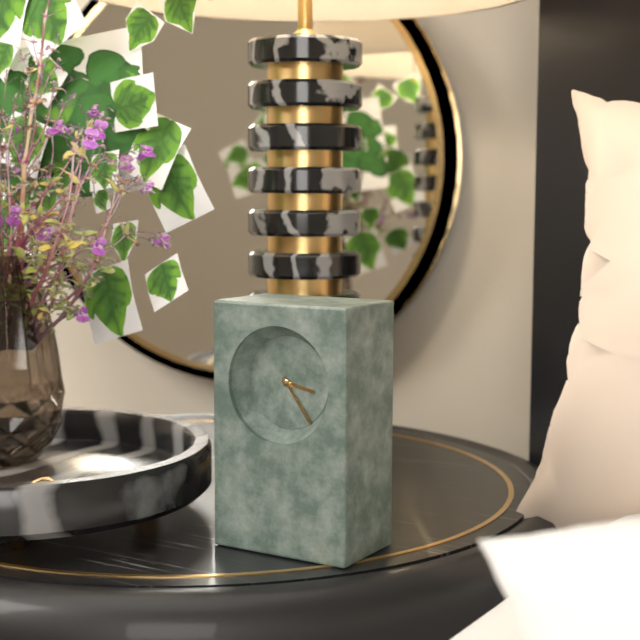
3:24
